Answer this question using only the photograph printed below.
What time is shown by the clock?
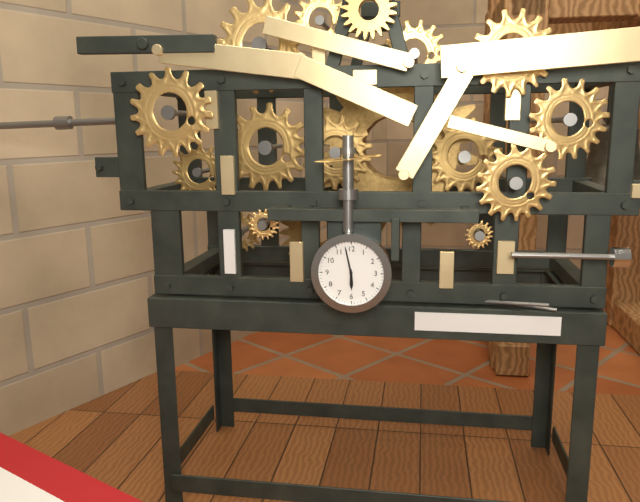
5:58
